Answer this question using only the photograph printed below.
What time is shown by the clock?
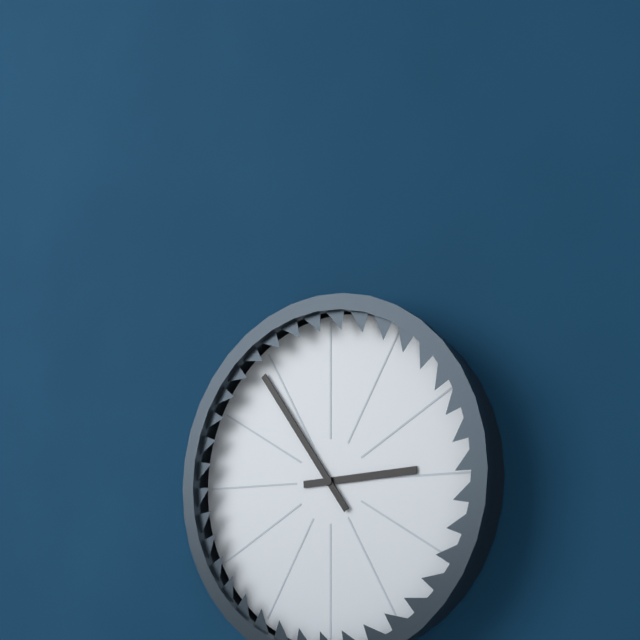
2:54
